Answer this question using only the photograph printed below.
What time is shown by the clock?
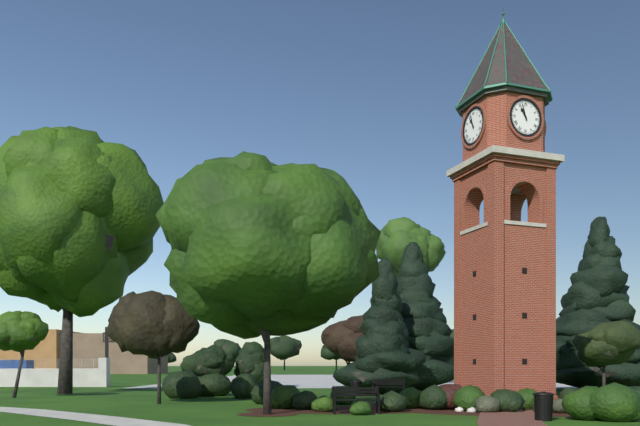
10:57
